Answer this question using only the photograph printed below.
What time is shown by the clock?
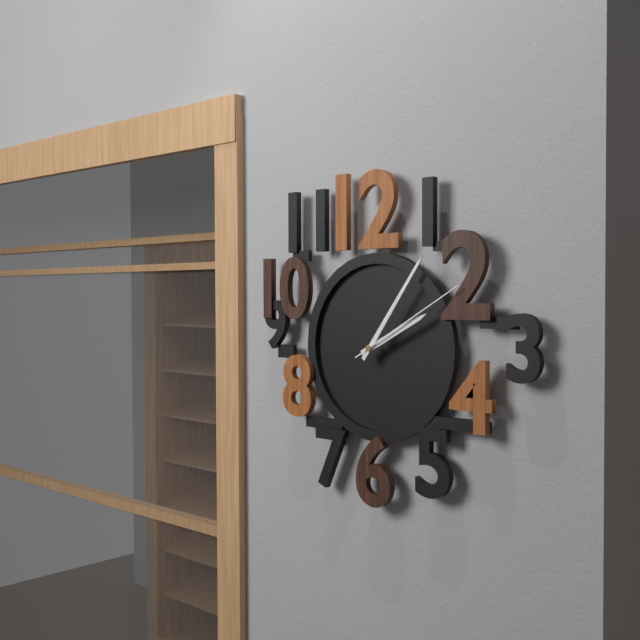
2:06:10
